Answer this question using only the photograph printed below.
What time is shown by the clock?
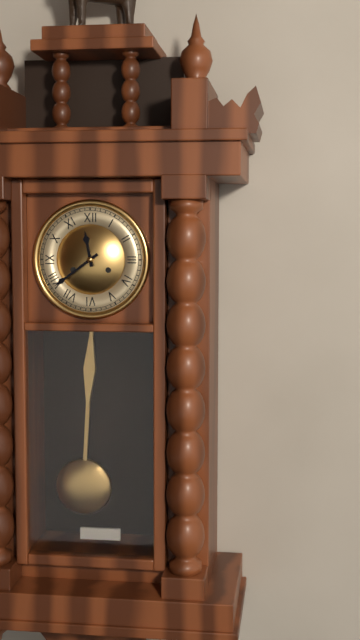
11:39
